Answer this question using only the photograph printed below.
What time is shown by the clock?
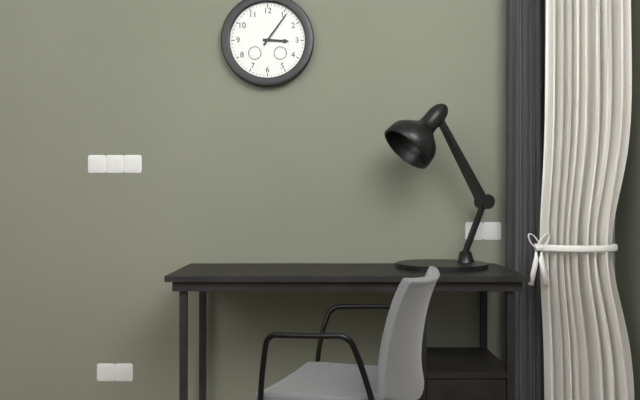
3:06
